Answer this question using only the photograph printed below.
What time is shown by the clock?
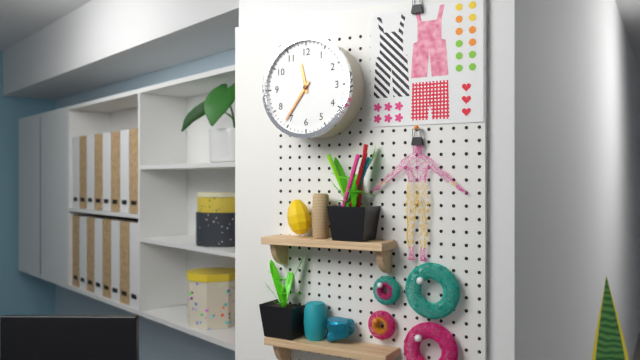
11:36
